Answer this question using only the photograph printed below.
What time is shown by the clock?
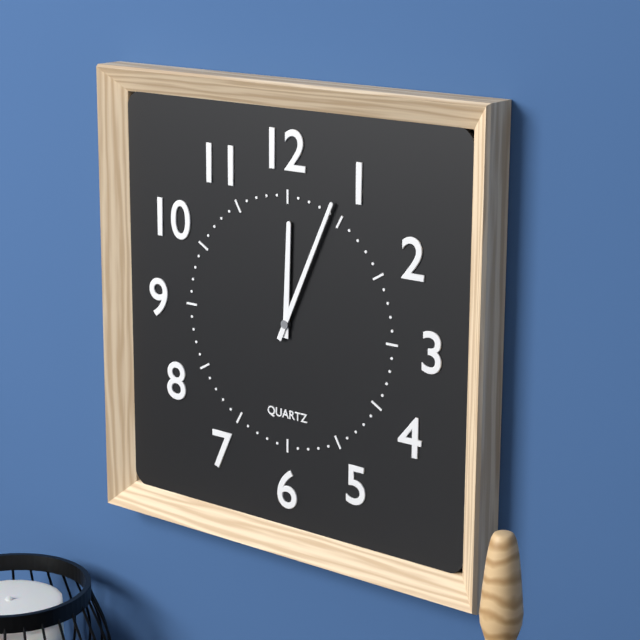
12:04
